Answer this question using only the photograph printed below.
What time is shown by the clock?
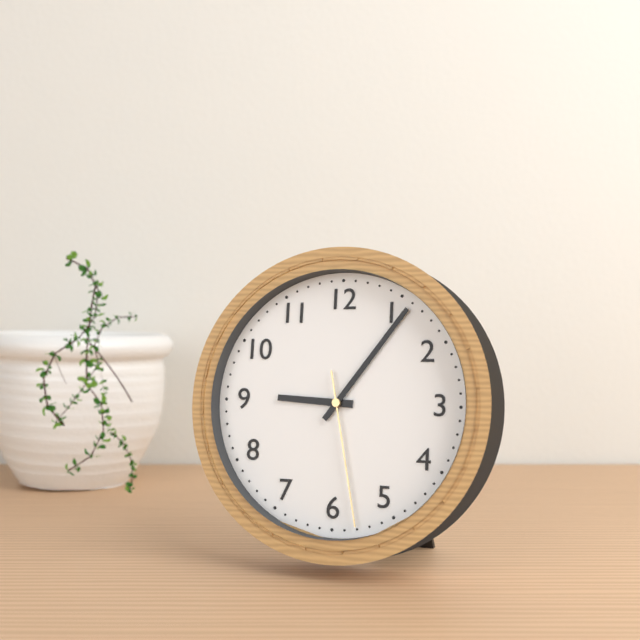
9:06:28
